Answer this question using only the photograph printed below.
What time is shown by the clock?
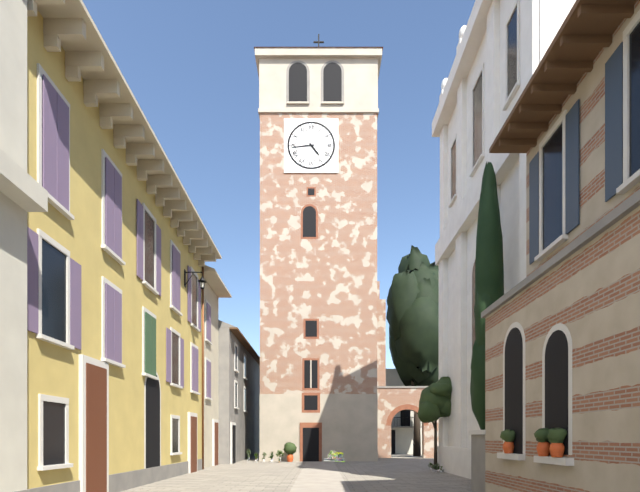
4:44
